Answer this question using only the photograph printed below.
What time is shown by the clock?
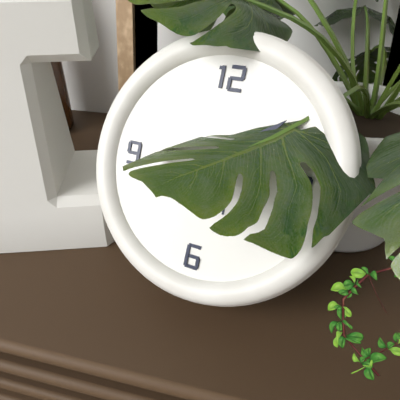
2:08
